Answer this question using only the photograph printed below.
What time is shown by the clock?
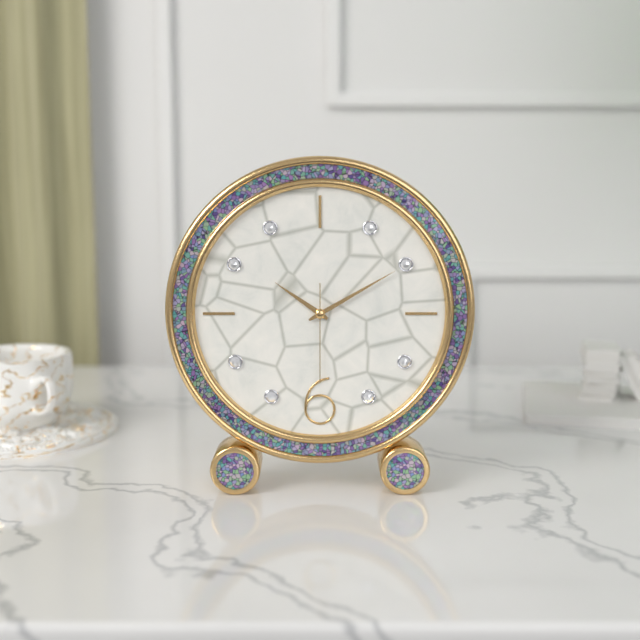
10:10:30
